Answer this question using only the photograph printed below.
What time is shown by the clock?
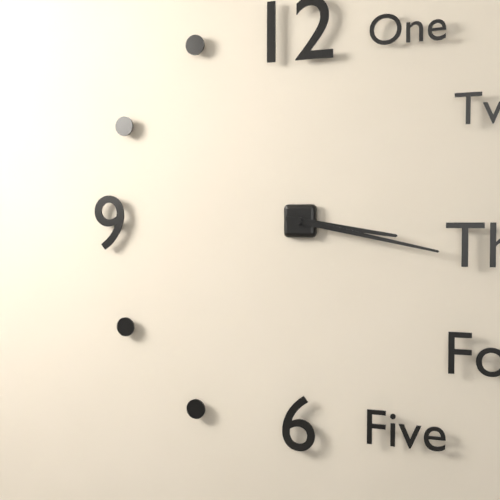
3:17
